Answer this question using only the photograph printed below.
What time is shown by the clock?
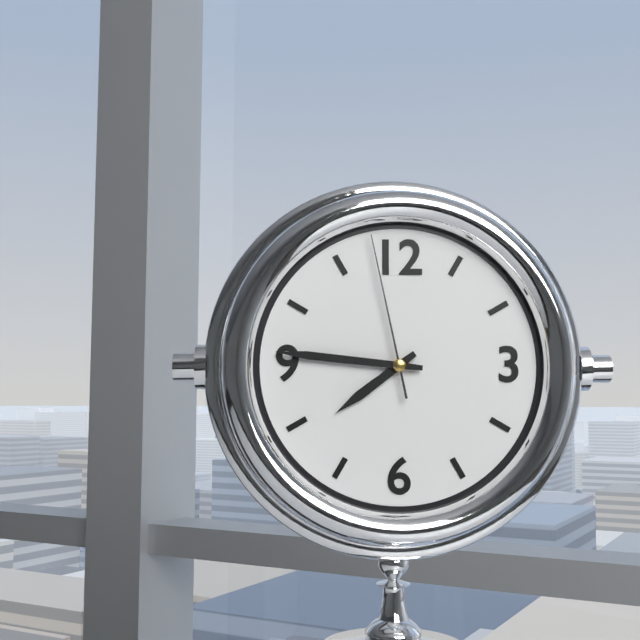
7:46:58
